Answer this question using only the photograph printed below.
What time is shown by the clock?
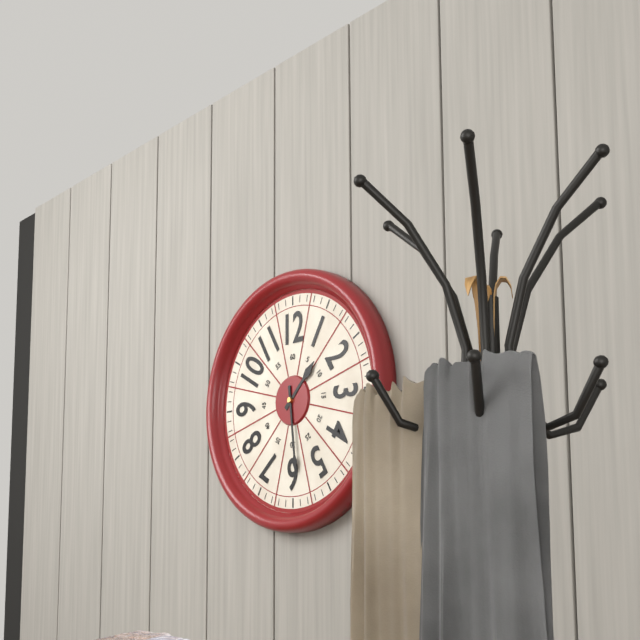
1:29
